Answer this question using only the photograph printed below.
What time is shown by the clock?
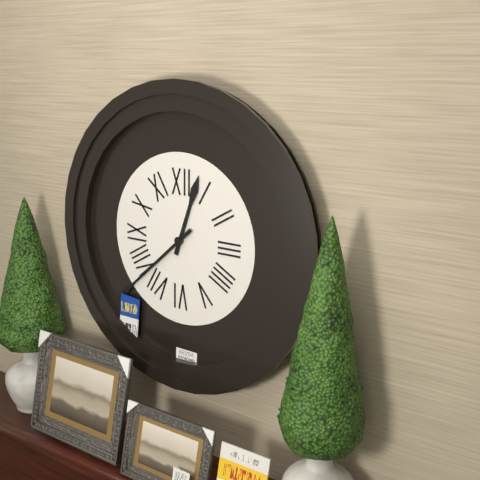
12:38
